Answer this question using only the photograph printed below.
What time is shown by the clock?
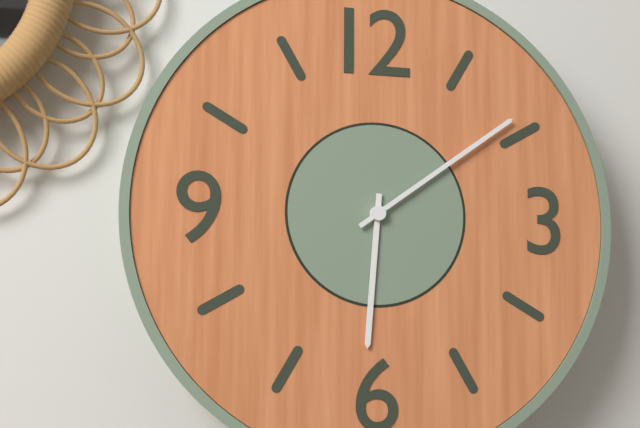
6:09
